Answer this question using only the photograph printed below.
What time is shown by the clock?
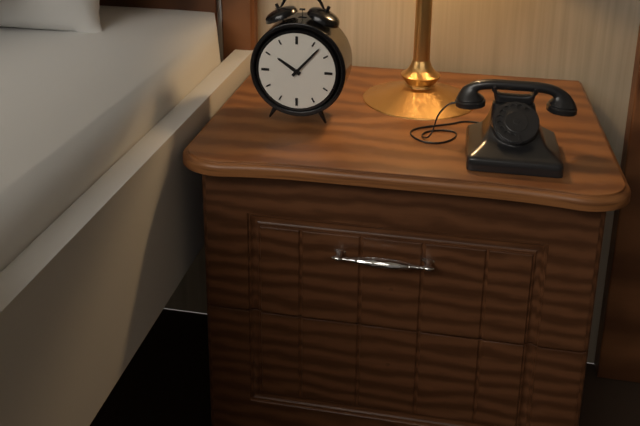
10:07
